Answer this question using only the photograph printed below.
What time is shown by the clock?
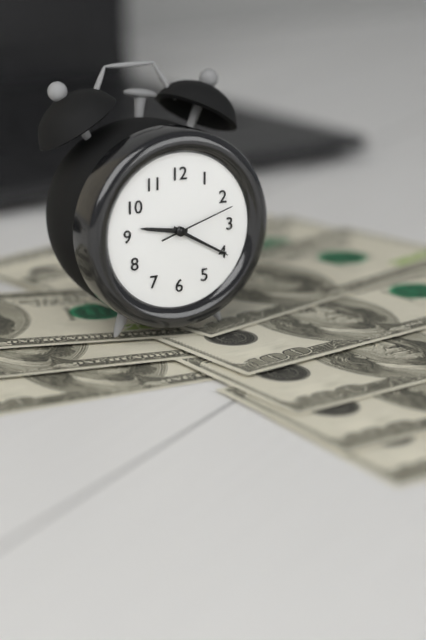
9:20:12
